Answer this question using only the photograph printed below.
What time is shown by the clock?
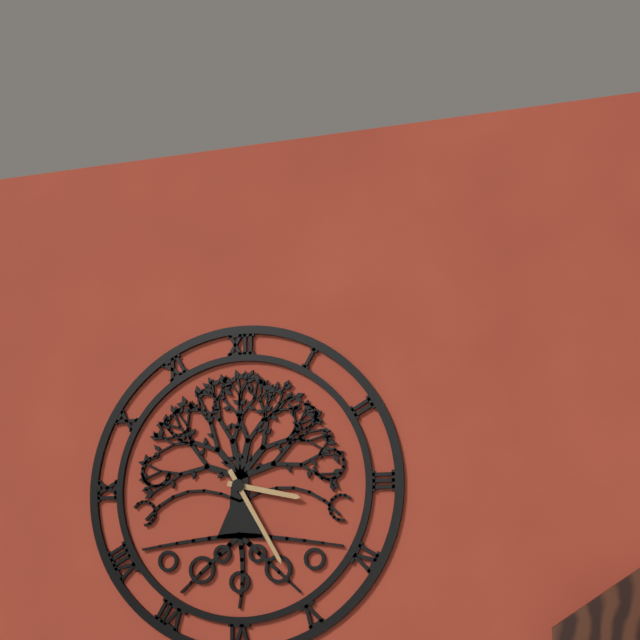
3:25
